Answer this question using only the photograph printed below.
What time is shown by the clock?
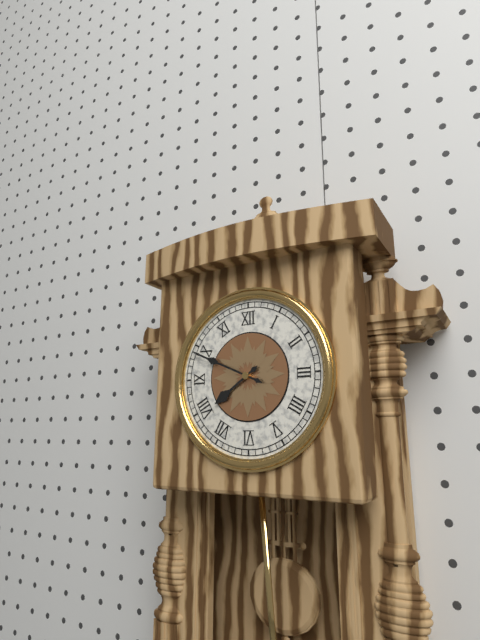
7:49
